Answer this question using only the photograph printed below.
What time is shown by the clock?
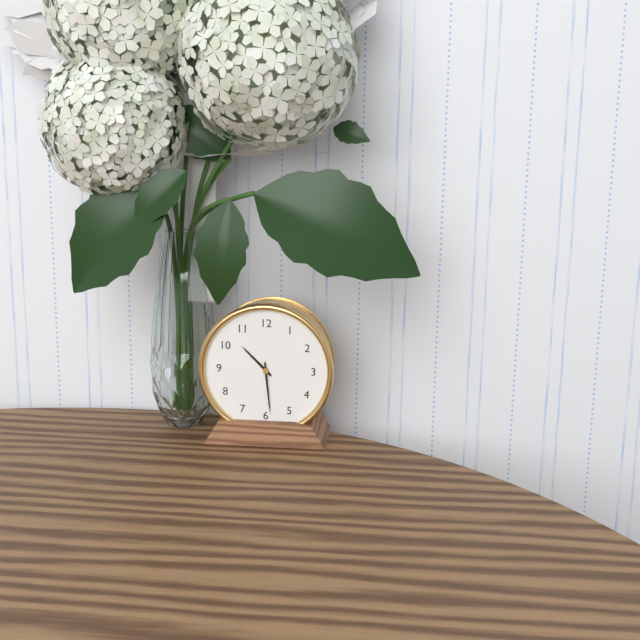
10:29
